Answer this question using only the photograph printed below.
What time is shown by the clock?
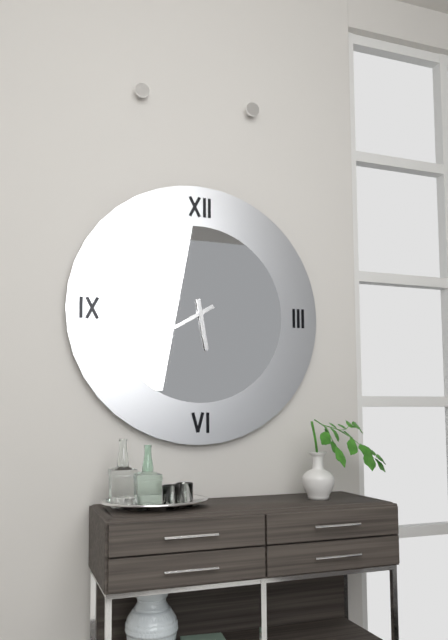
5:40
